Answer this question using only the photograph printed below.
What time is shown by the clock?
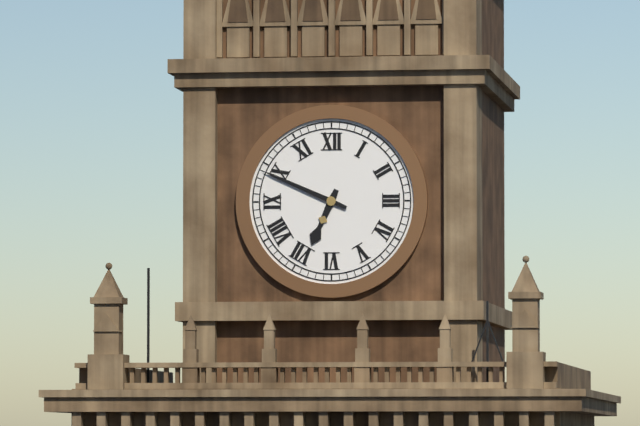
6:49
